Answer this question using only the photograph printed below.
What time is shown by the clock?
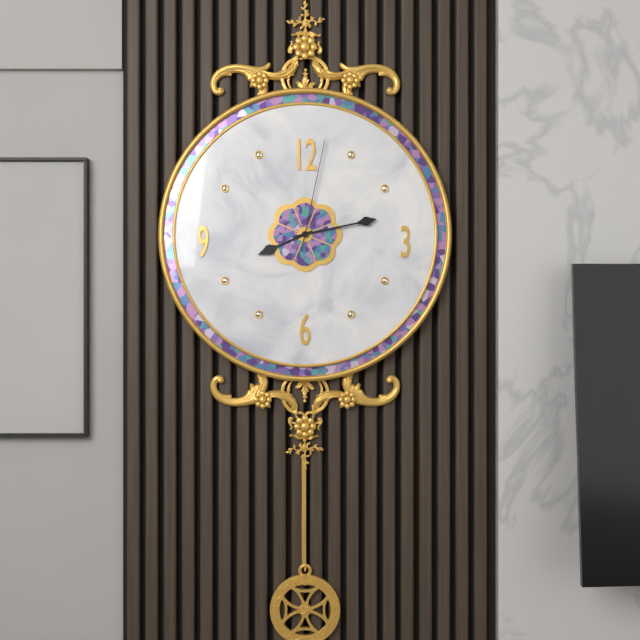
8:13:02
